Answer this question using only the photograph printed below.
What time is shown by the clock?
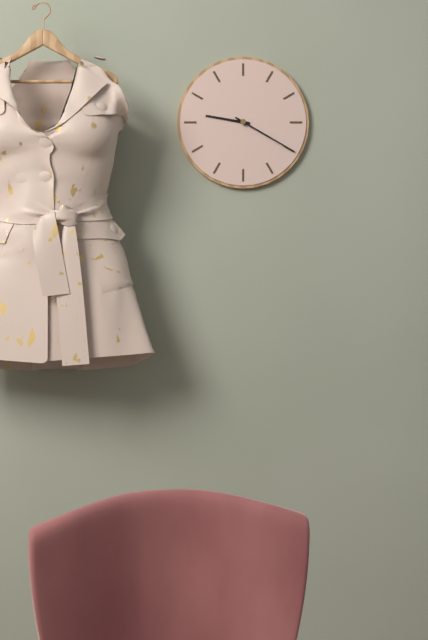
9:20
